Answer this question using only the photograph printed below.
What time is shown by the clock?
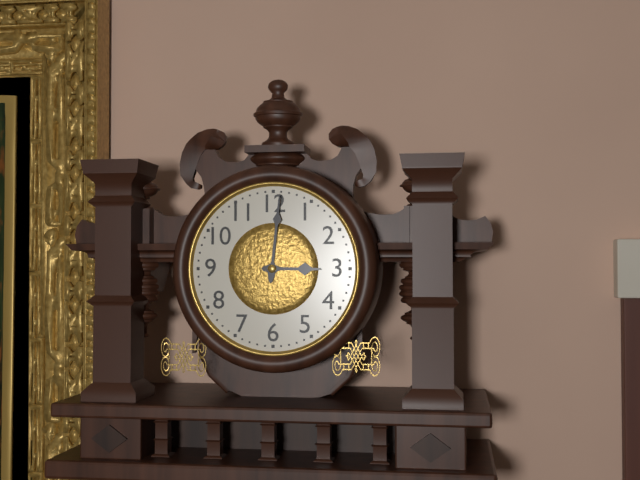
3:01
